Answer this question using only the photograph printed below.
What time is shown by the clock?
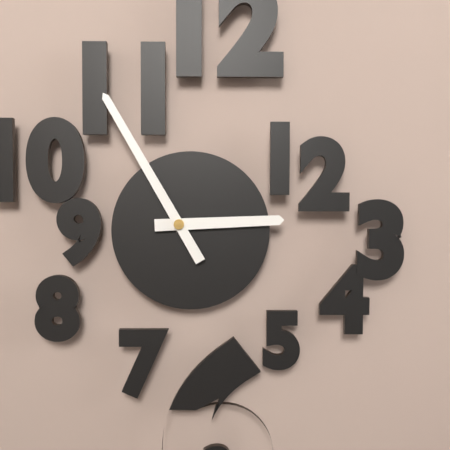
2:55
